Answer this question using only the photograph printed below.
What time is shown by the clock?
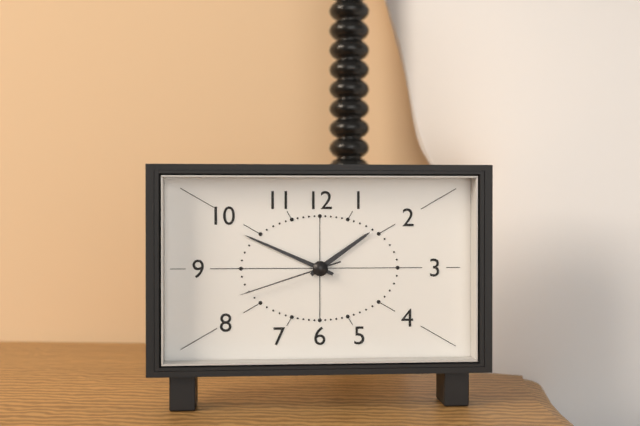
1:49:42
